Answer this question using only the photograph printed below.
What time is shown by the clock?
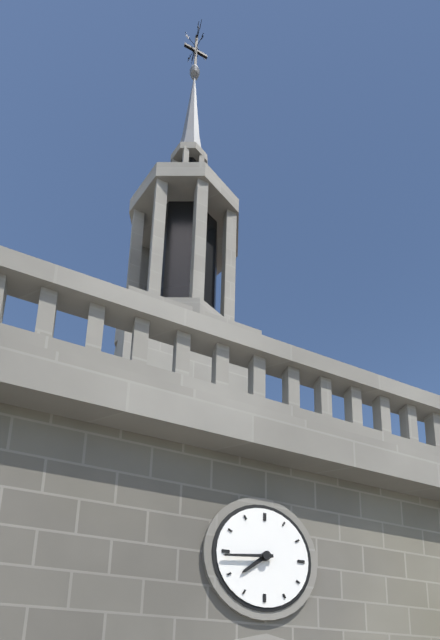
7:44
